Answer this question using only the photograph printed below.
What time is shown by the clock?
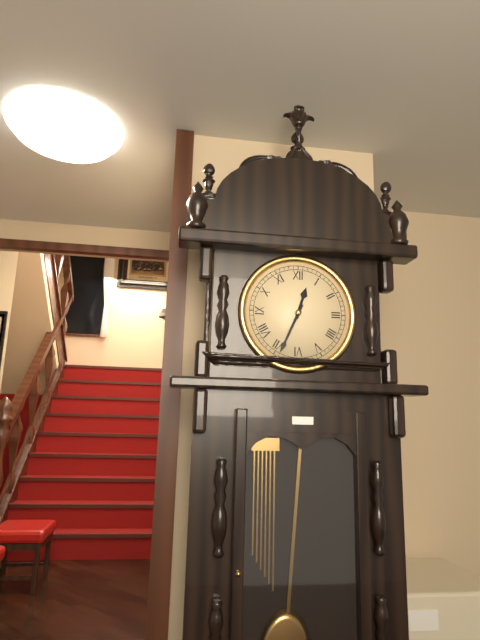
12:34
